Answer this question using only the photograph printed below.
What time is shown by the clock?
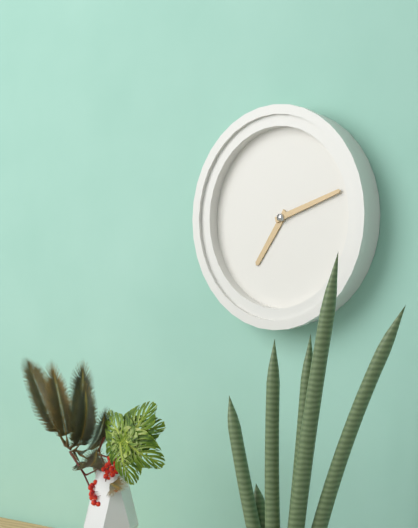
7:12
